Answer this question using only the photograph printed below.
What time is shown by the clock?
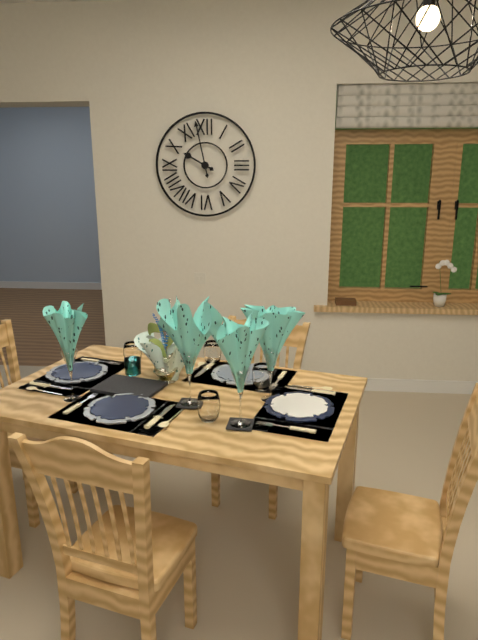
9:58
